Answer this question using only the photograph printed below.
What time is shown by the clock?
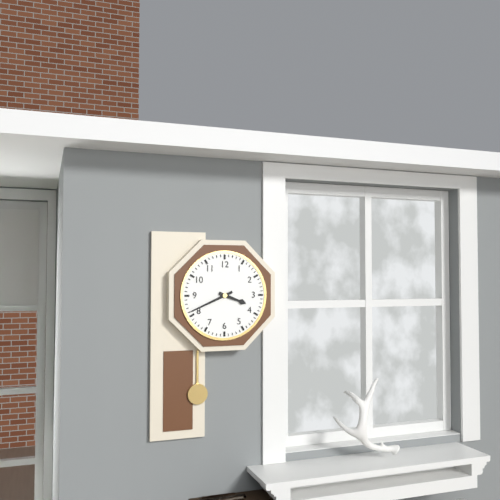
3:41
